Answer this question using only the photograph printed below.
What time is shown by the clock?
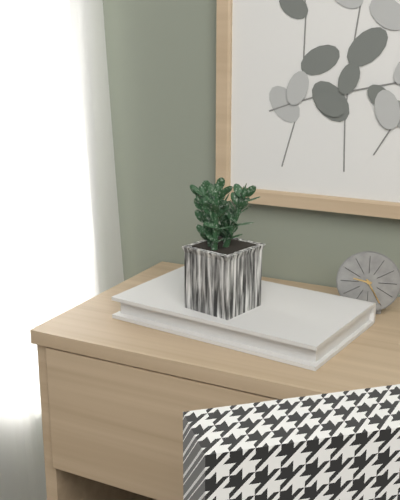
9:25
